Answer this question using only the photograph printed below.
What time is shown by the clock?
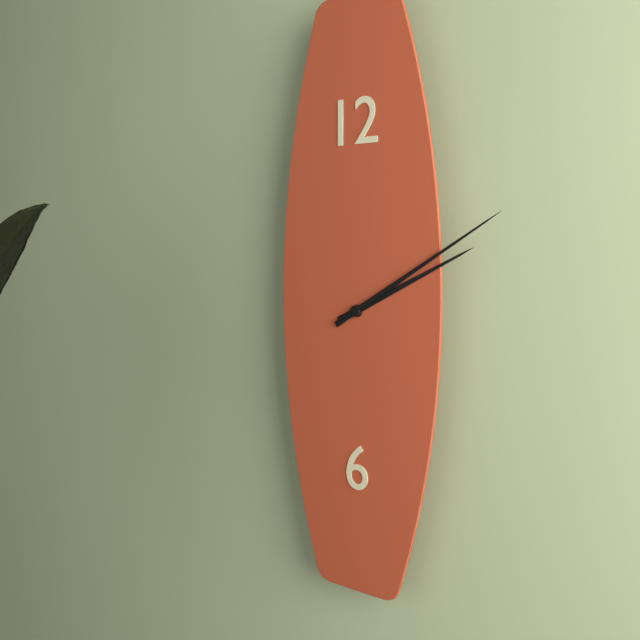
2:10
